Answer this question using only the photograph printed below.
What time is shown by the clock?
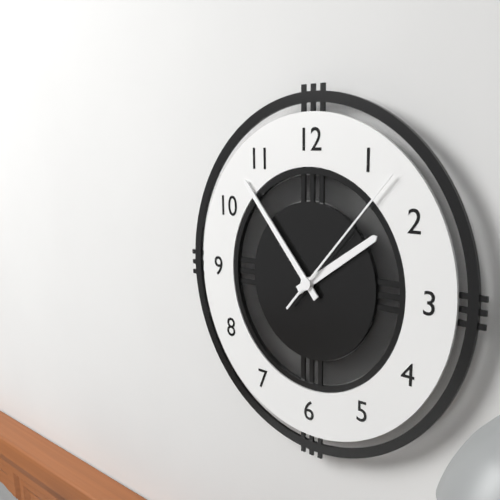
1:53:07
